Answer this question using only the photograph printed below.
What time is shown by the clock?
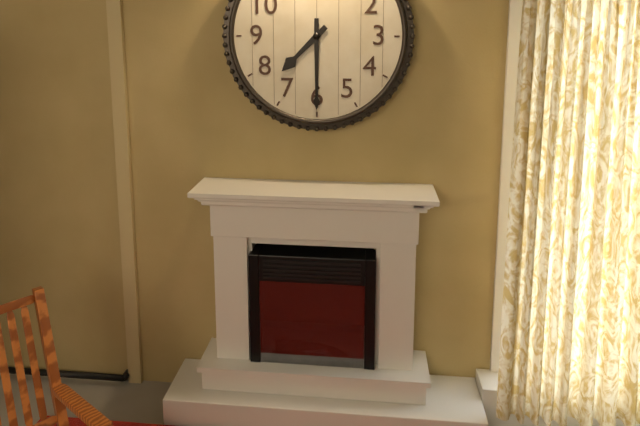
7:30
